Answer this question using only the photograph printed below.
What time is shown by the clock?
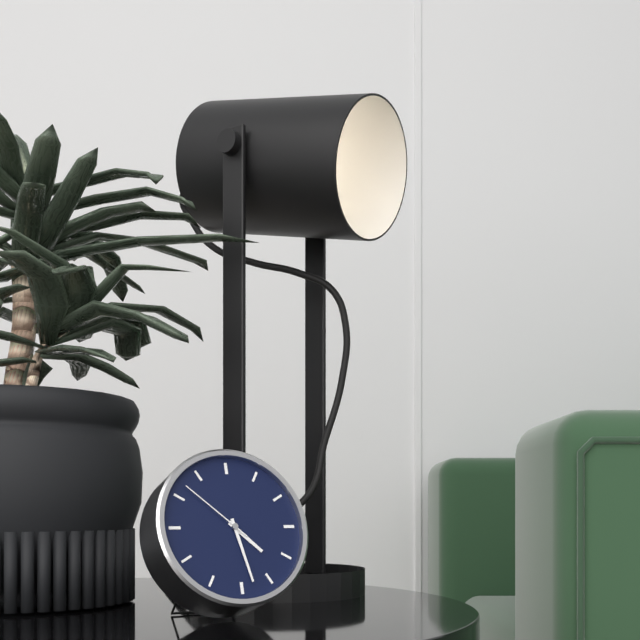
4:28:52
